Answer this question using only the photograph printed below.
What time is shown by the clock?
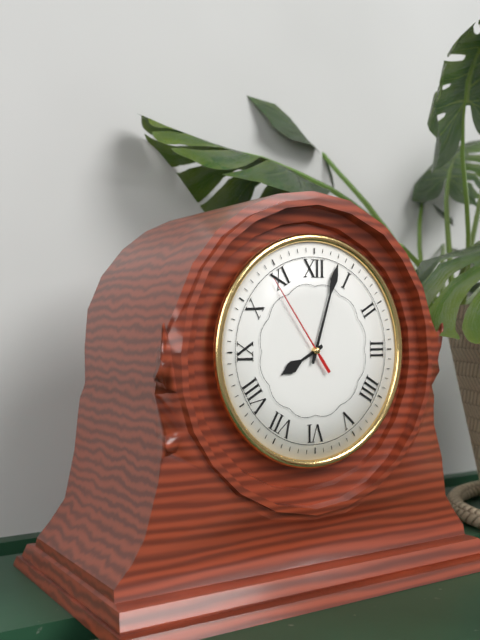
8:03:54
